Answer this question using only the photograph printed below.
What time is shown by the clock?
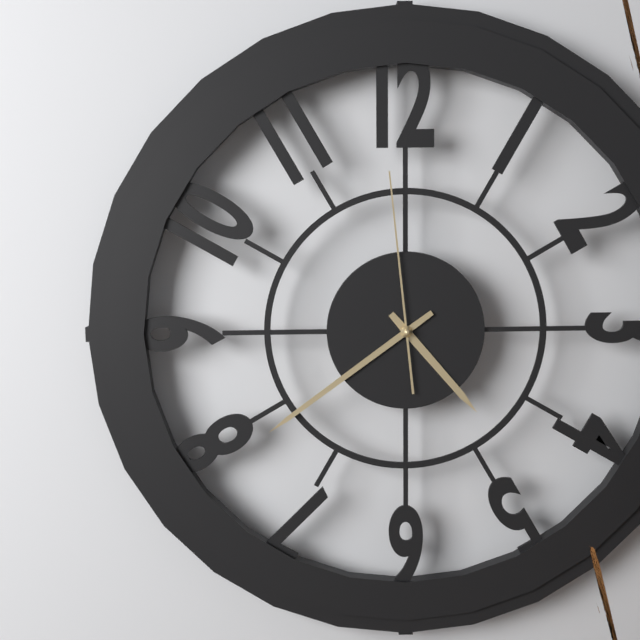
4:39:59
